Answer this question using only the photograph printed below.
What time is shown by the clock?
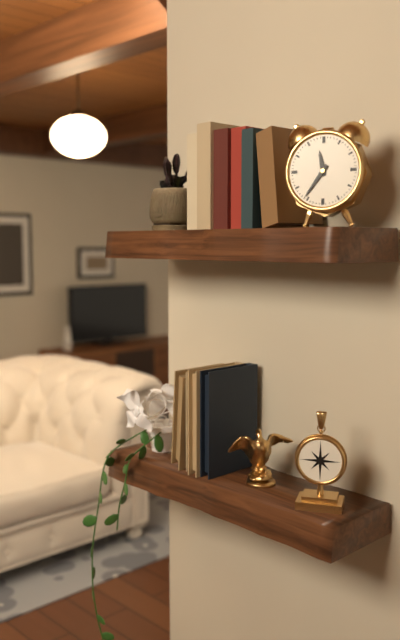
11:36
